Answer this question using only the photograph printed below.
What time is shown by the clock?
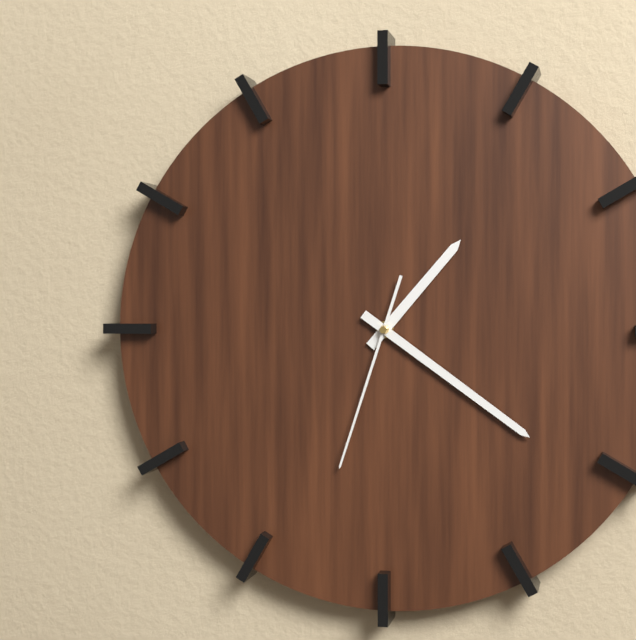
1:21:33
